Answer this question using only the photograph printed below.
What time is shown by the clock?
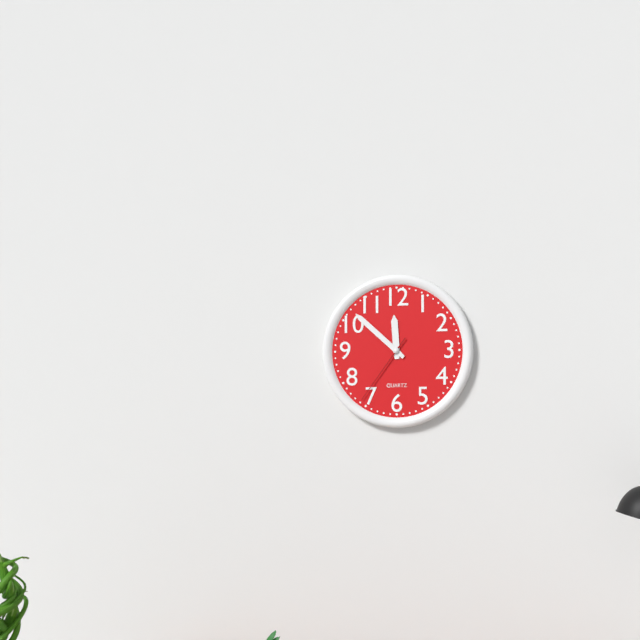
11:52:36
